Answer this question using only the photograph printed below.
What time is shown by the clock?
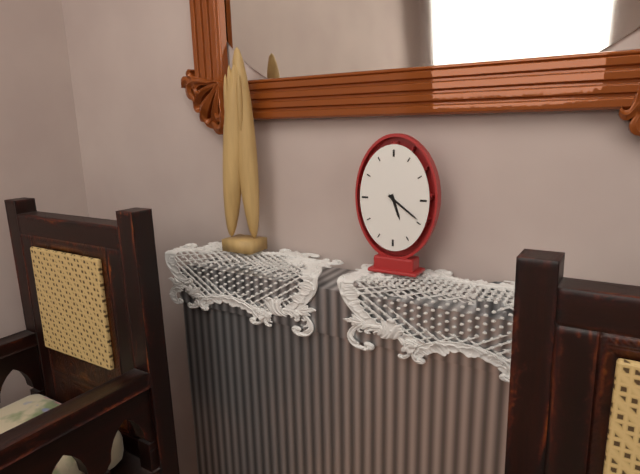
5:21
